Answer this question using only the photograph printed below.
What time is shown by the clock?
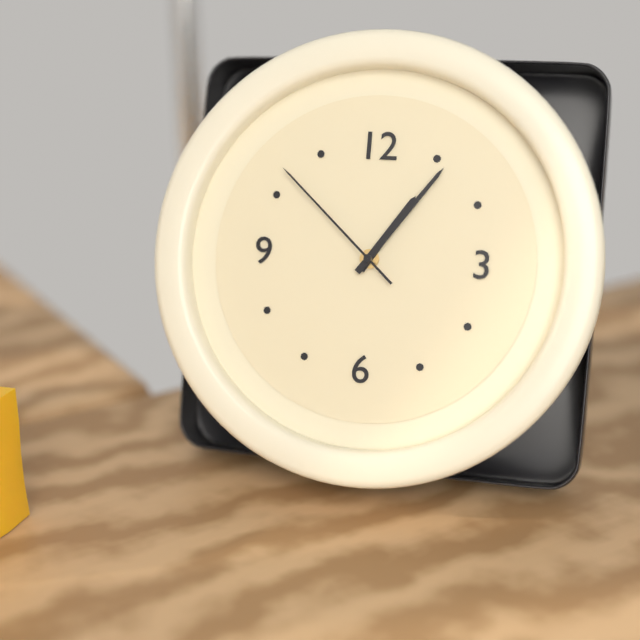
1:06:52
